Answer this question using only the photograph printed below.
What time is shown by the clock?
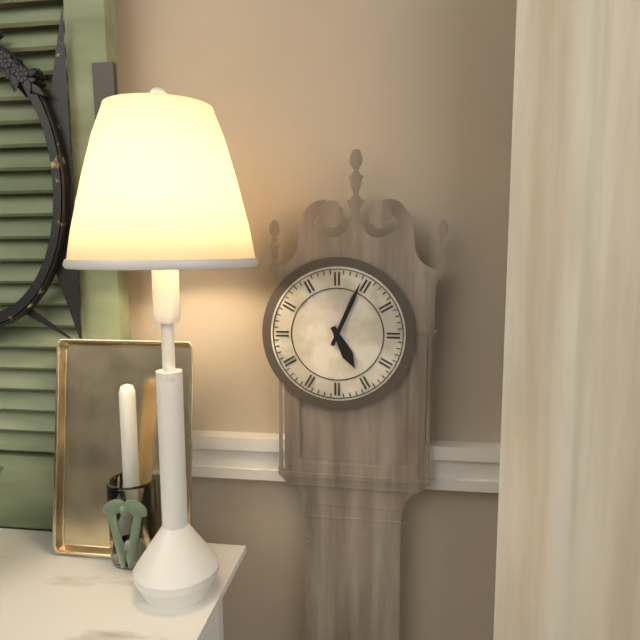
5:04
